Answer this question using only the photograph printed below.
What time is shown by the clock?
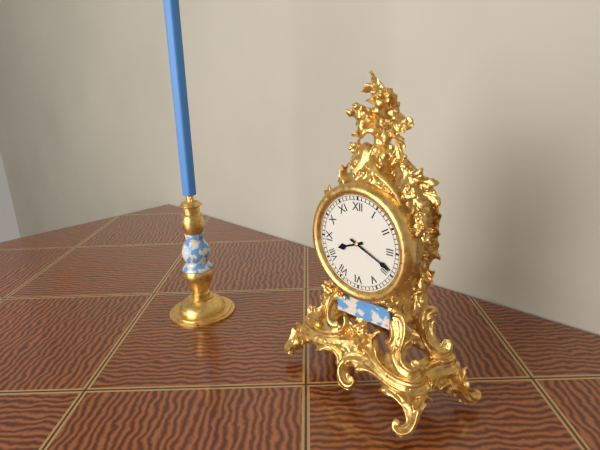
8:19
